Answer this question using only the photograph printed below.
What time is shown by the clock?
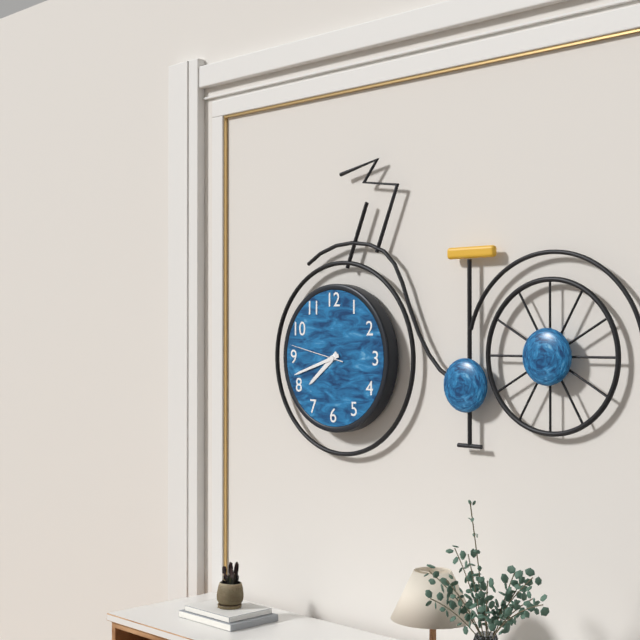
7:42:47
